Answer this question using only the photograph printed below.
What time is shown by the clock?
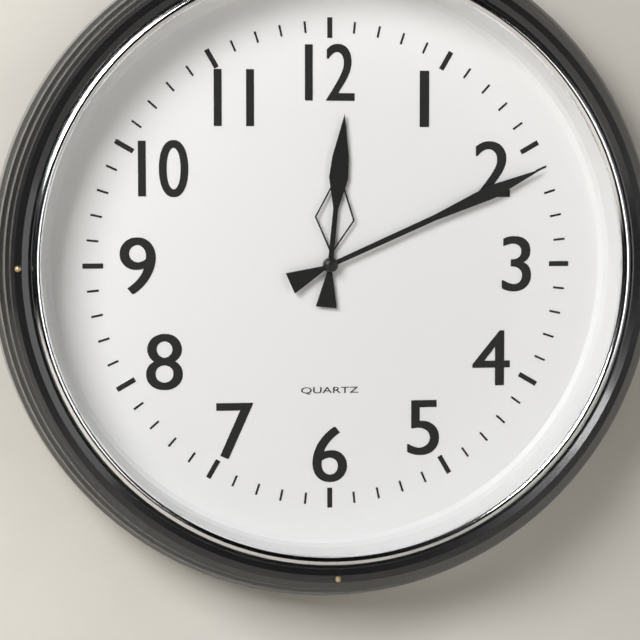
12:11
